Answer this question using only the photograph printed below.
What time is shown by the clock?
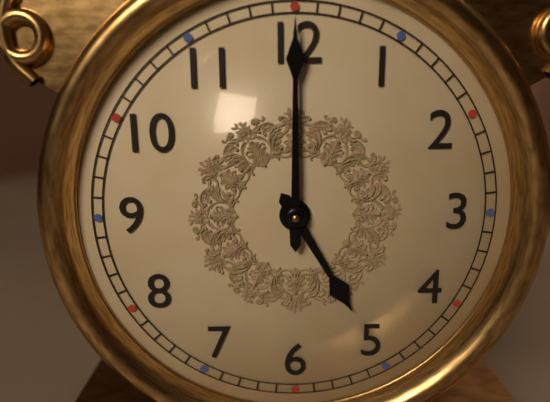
5:00
